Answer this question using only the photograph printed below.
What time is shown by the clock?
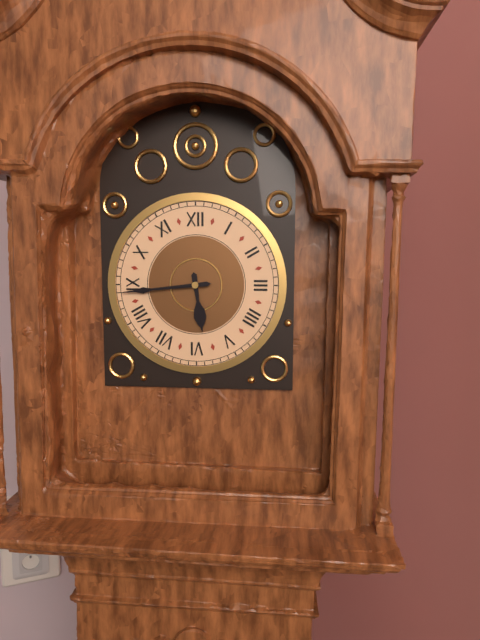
5:44
